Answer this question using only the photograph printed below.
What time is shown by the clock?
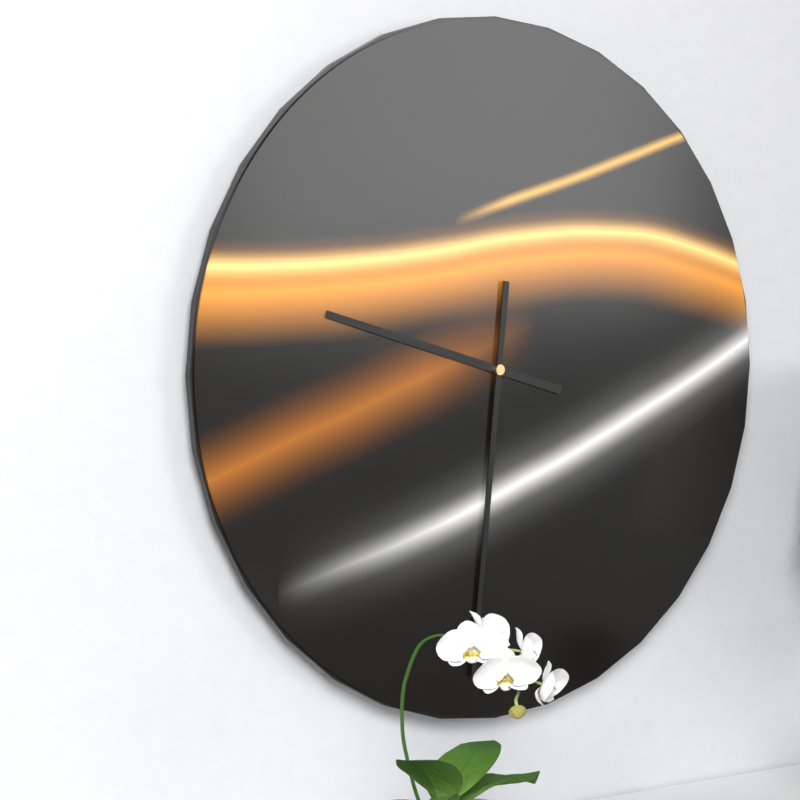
9:31
